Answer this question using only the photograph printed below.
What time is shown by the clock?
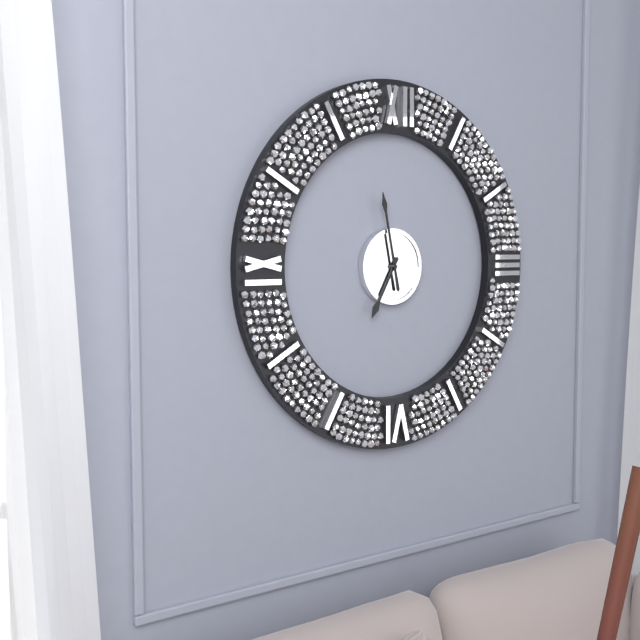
6:58
